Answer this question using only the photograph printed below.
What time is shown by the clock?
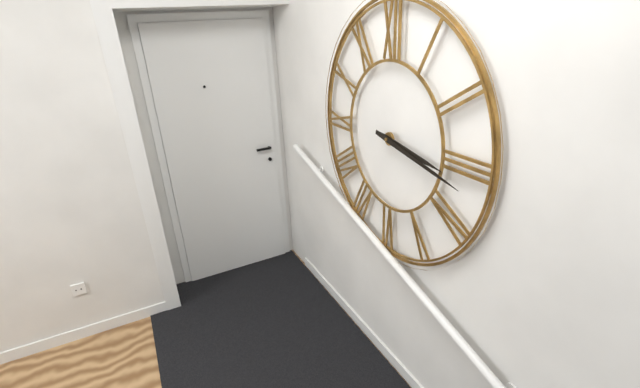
3:17
